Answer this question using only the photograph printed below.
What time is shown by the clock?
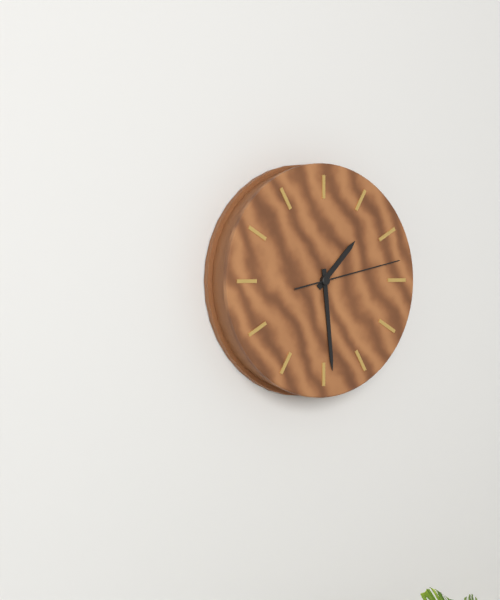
1:29:13
